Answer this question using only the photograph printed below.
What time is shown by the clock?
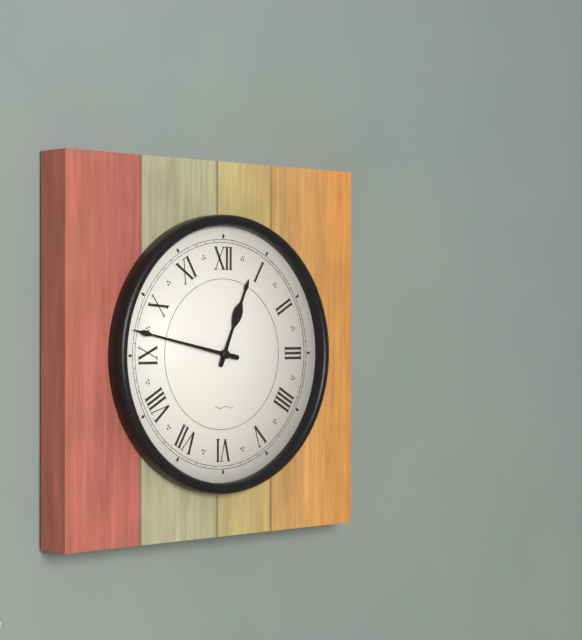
12:47
